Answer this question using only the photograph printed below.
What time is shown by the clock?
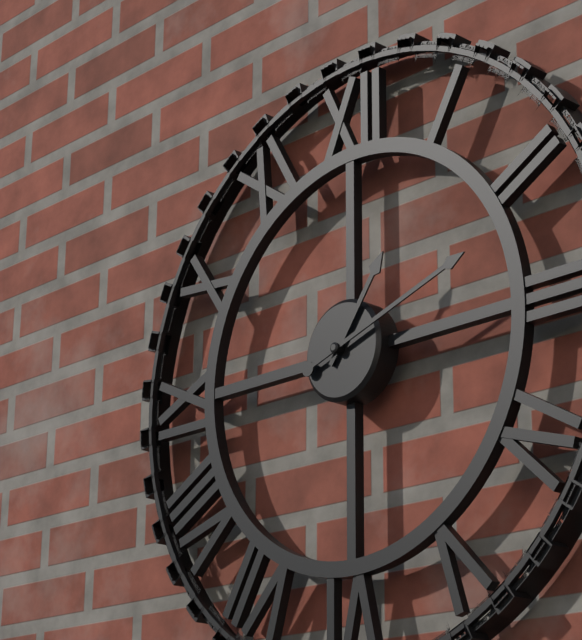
1:12
